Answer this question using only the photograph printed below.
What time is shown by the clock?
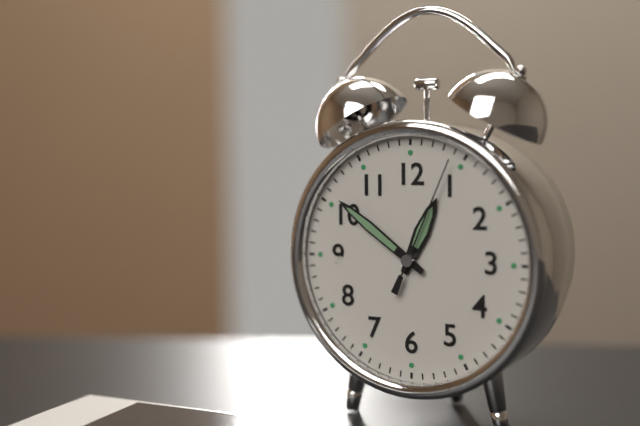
12:51:04
